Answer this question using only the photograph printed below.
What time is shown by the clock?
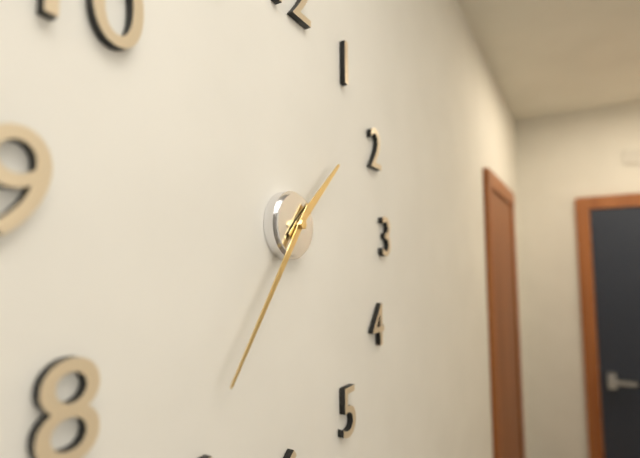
1:36
